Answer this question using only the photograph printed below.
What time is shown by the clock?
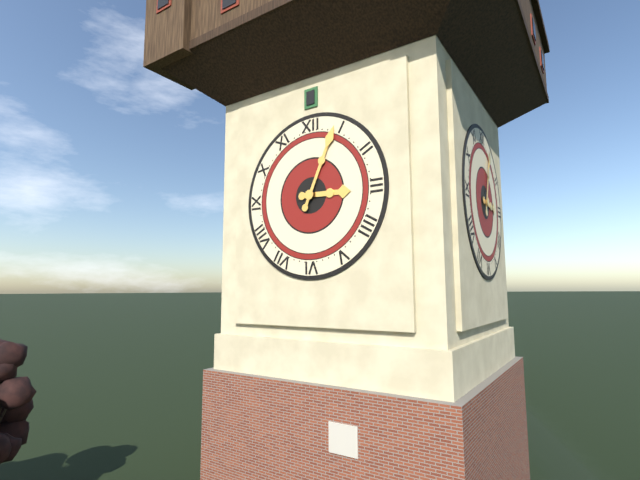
3:04
